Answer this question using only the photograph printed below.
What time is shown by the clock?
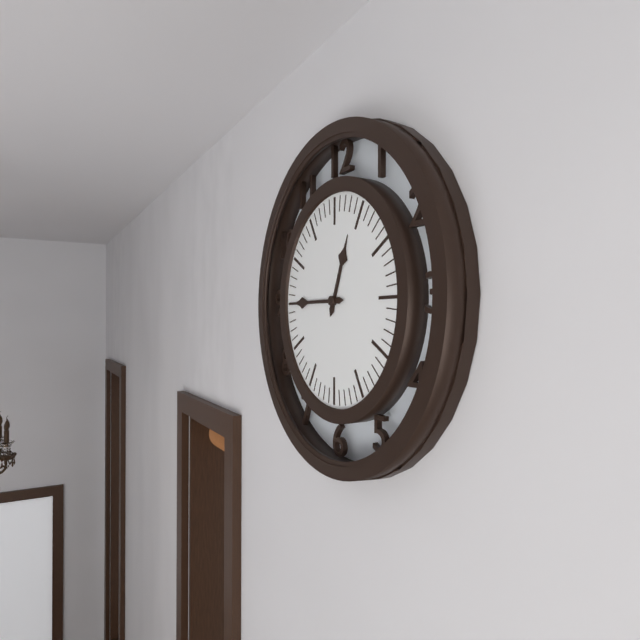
12:45
